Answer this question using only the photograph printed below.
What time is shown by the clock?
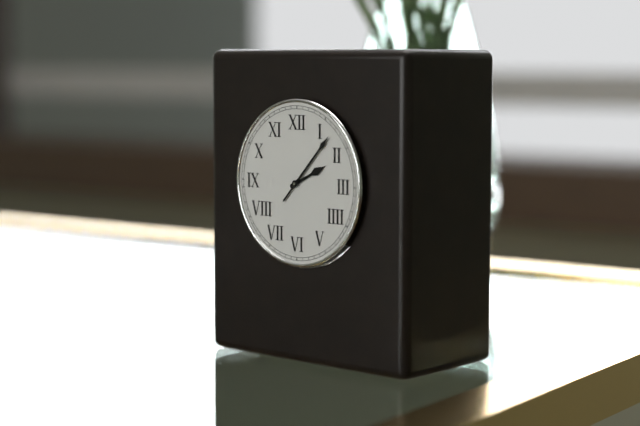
2:07
